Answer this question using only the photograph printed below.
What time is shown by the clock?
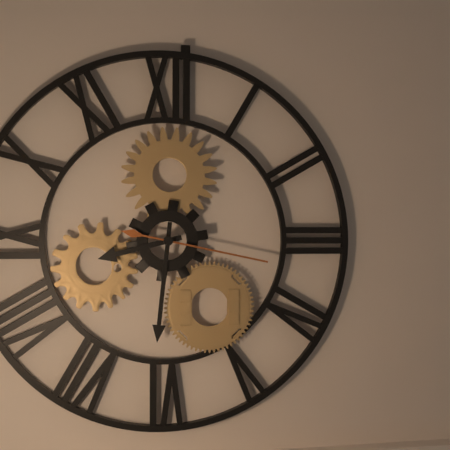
8:31:17
